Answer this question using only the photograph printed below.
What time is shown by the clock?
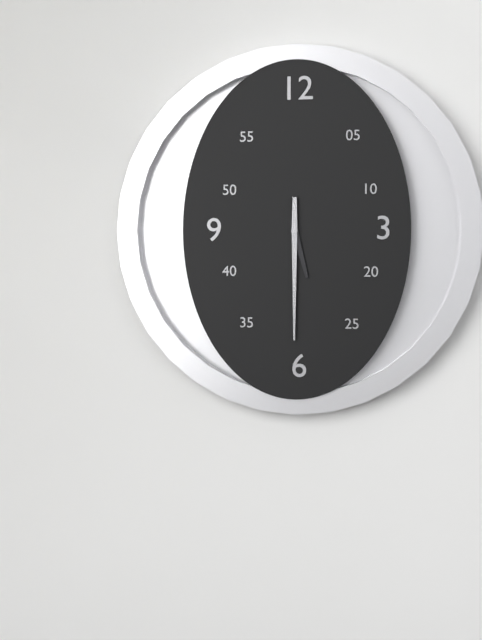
5:30
